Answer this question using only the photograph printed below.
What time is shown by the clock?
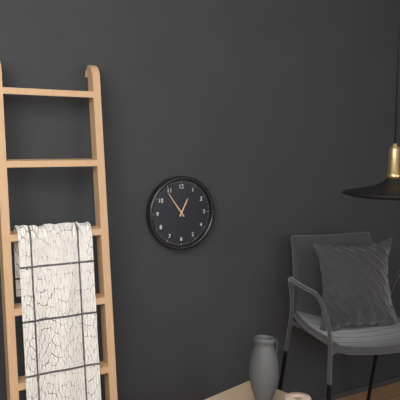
12:54
